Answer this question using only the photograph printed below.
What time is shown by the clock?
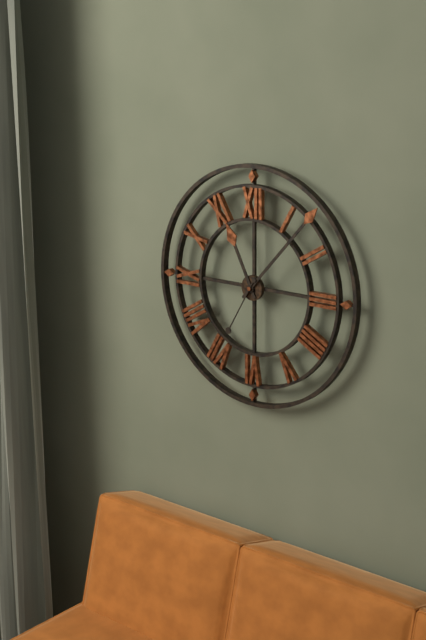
11:07:35
